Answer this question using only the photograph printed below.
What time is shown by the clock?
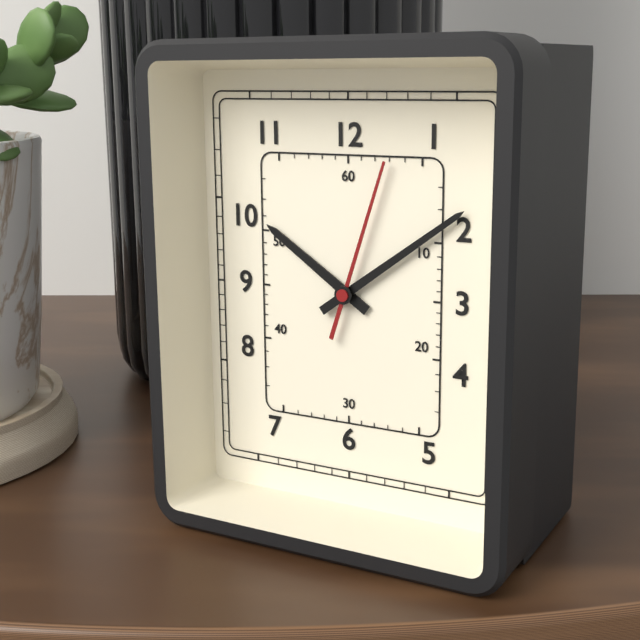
10:09:03
